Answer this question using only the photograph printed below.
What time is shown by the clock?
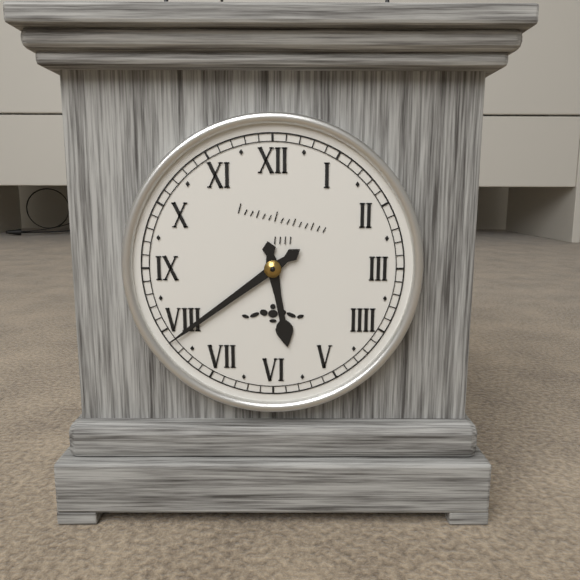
5:39
